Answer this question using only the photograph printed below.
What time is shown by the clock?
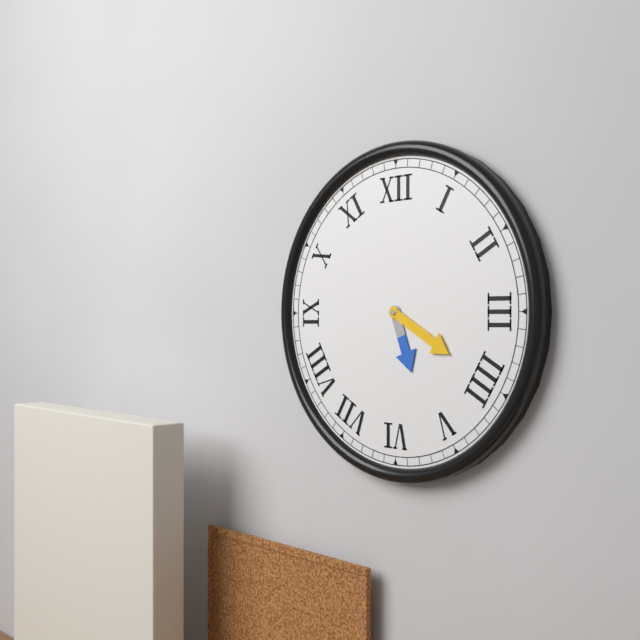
5:20
